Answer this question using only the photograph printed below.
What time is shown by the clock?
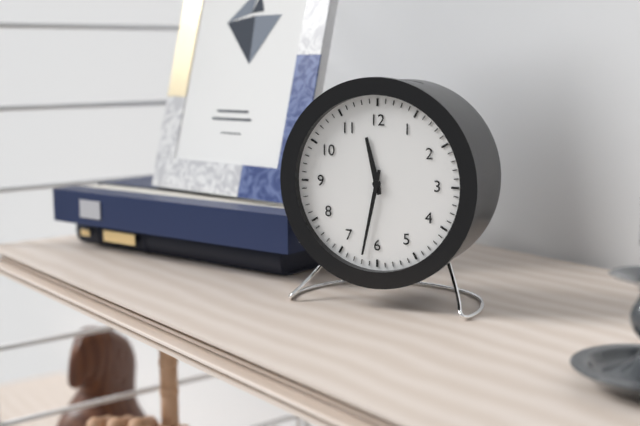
11:32
